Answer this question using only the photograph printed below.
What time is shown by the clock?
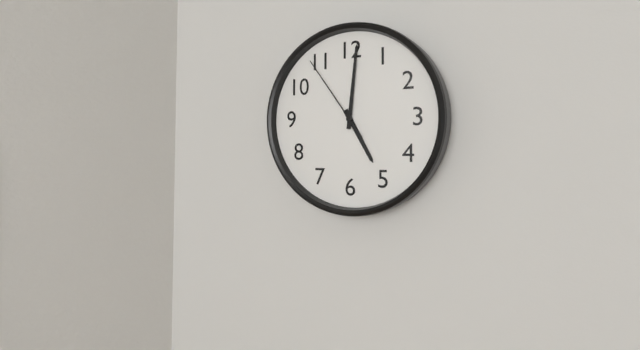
5:01:54
